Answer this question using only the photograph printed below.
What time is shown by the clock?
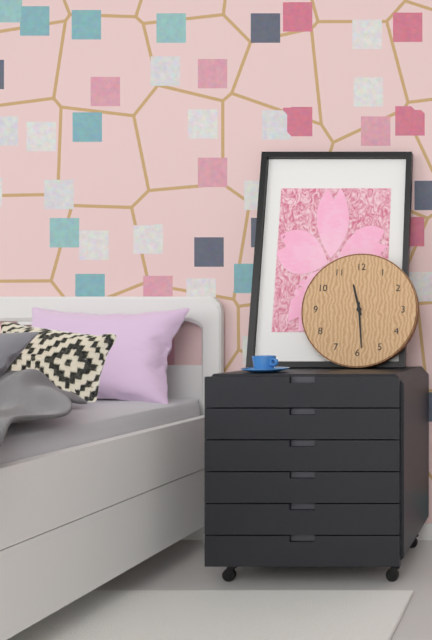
11:29
